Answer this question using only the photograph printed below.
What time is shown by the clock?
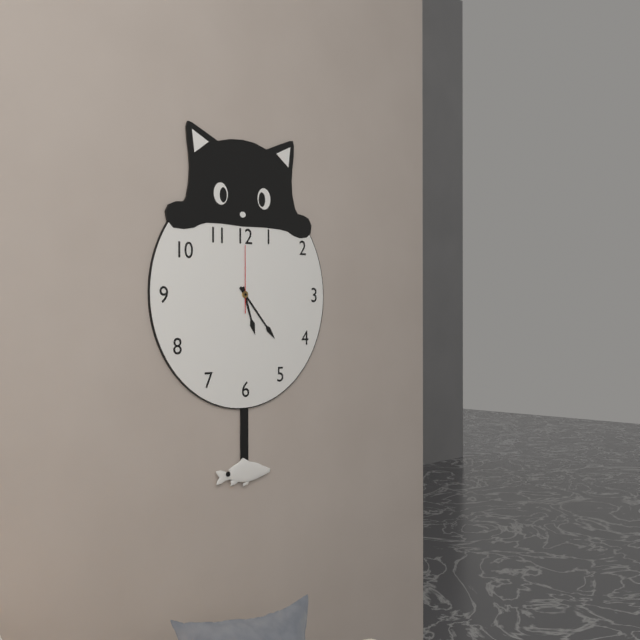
5:23:00
